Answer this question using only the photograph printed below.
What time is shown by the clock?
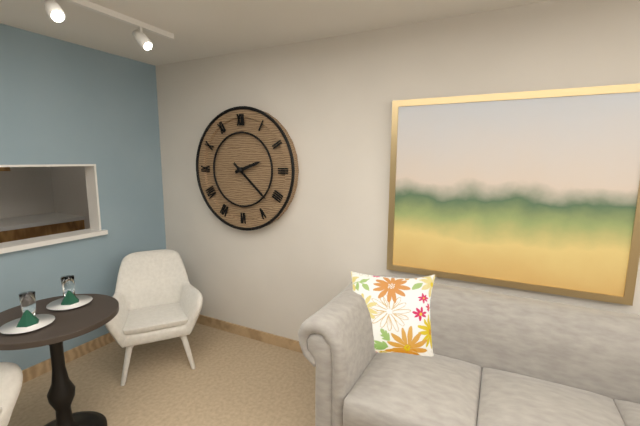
2:22
